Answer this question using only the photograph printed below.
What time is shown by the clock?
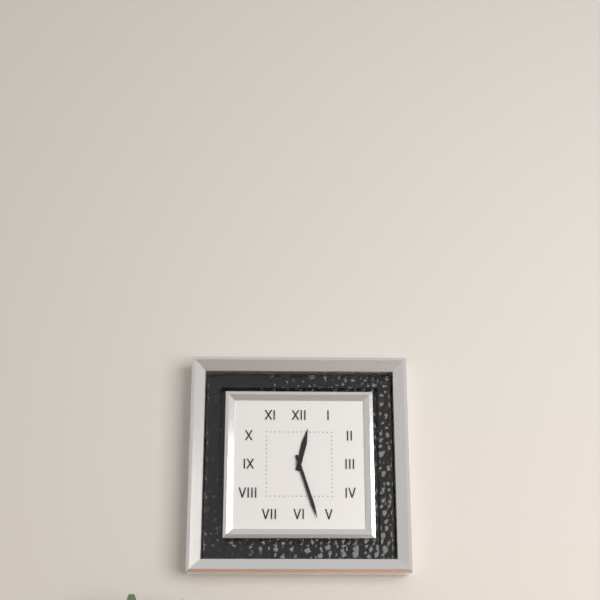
12:27
